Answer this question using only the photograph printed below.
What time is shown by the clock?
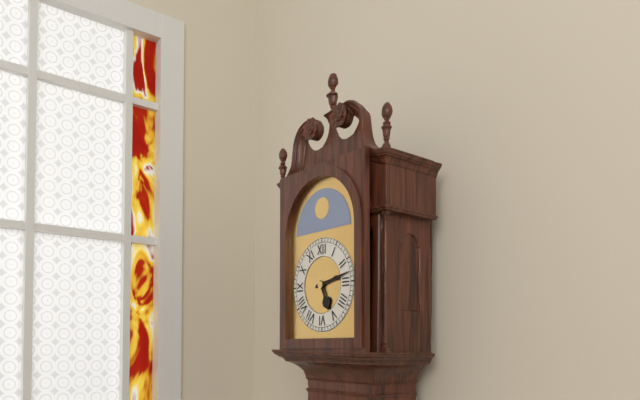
5:13
